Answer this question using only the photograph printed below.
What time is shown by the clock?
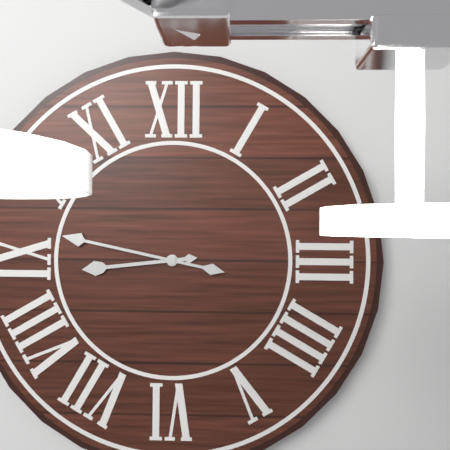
8:47
